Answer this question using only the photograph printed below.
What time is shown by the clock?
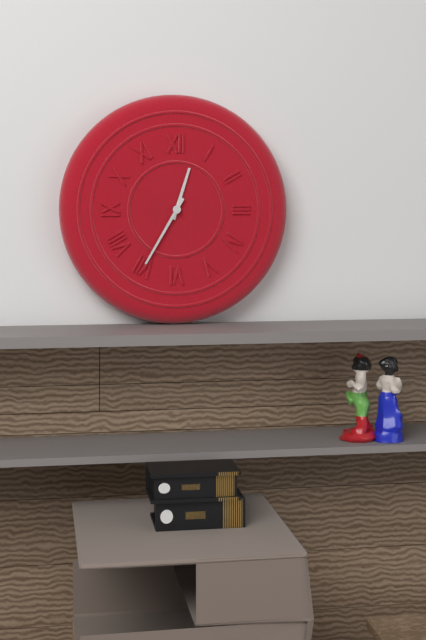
12:35
